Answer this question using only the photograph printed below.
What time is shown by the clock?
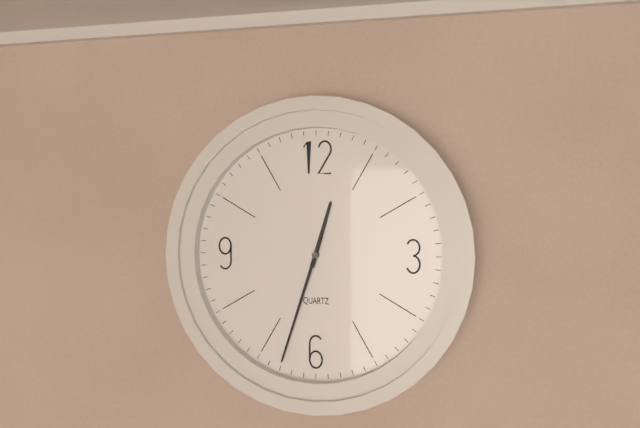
12:33:33
